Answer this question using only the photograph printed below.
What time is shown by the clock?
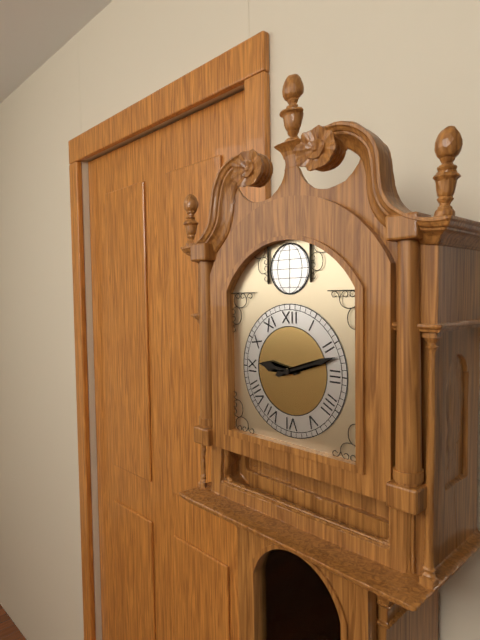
9:12
